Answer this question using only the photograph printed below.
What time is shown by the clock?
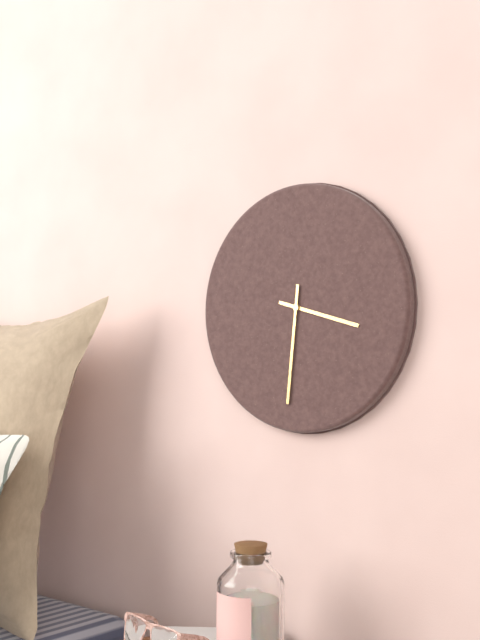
3:31
